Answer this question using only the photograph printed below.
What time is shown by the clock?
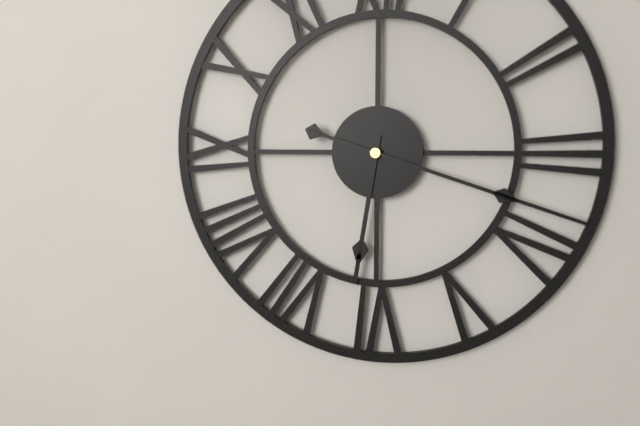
6:18
